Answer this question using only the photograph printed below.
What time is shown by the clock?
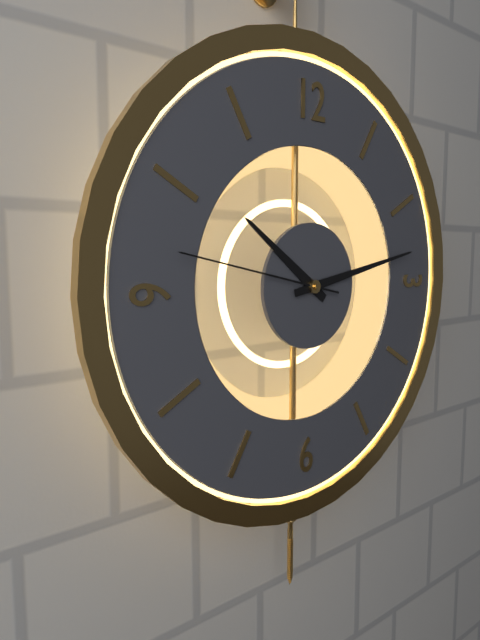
10:13:47
